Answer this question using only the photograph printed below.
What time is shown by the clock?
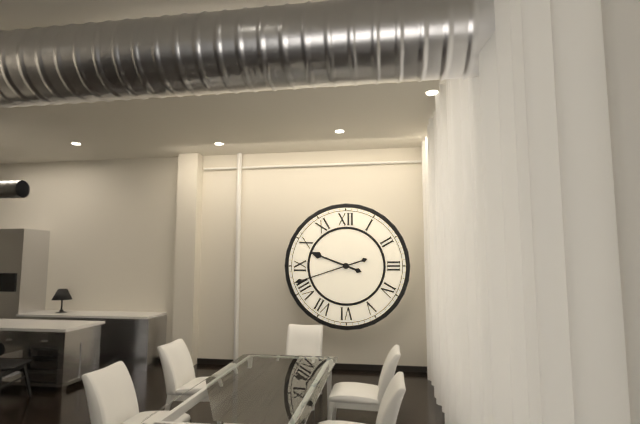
9:42
